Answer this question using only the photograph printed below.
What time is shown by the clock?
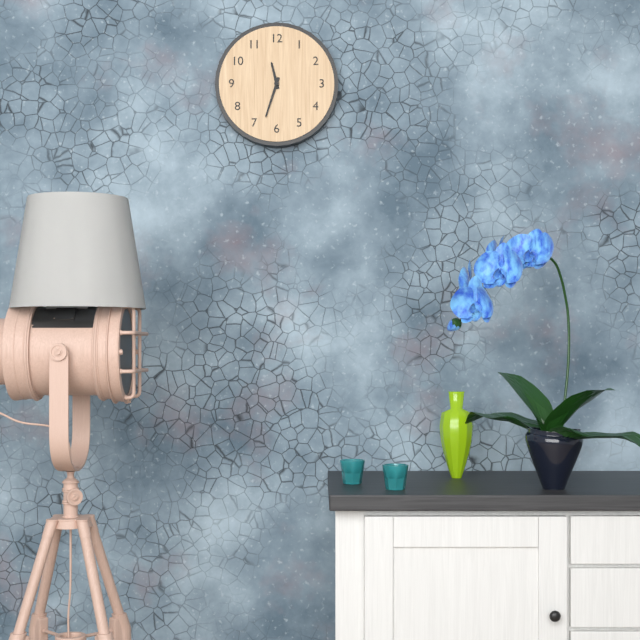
11:33
